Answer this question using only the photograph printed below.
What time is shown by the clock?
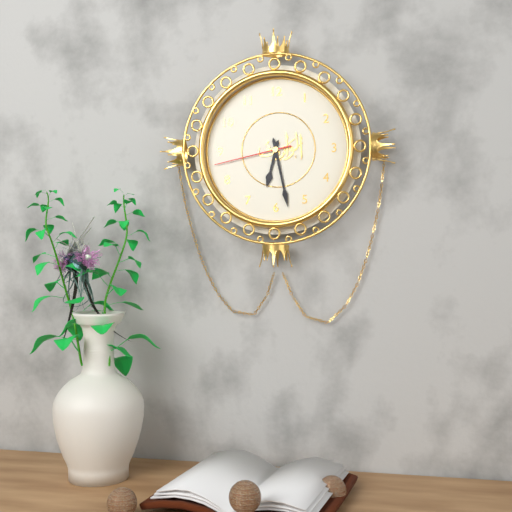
6:28:43
